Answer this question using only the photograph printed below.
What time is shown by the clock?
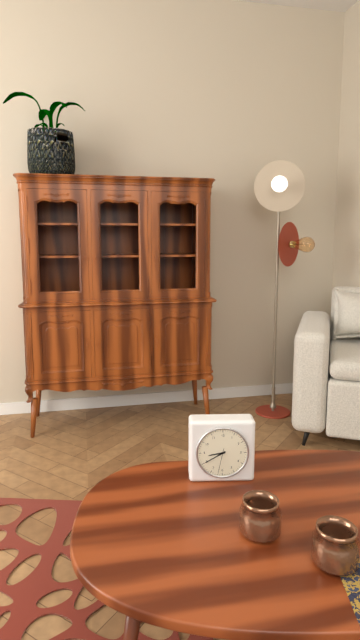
8:40
